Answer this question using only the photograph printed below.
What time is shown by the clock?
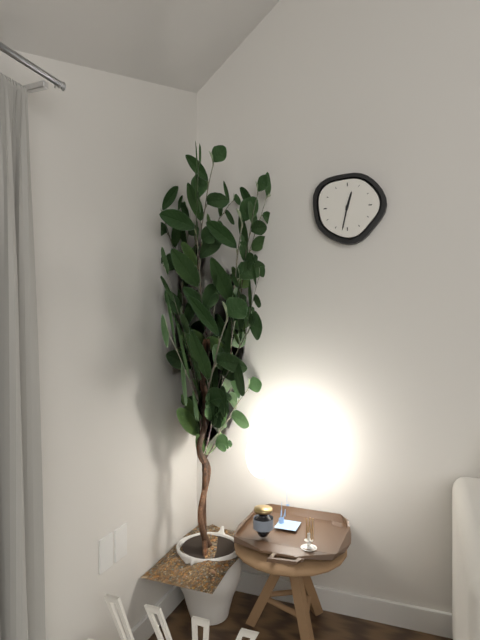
12:32
